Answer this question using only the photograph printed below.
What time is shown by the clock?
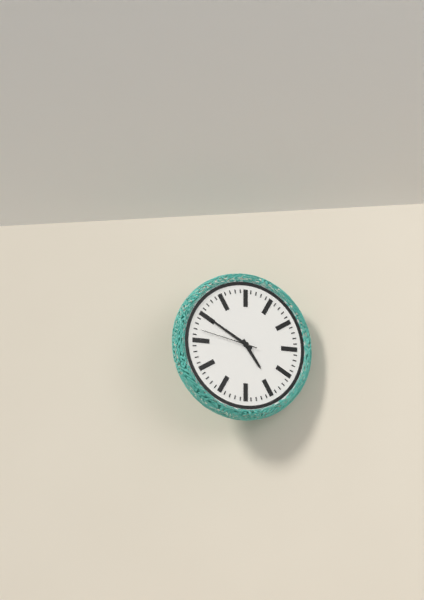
4:50:47
